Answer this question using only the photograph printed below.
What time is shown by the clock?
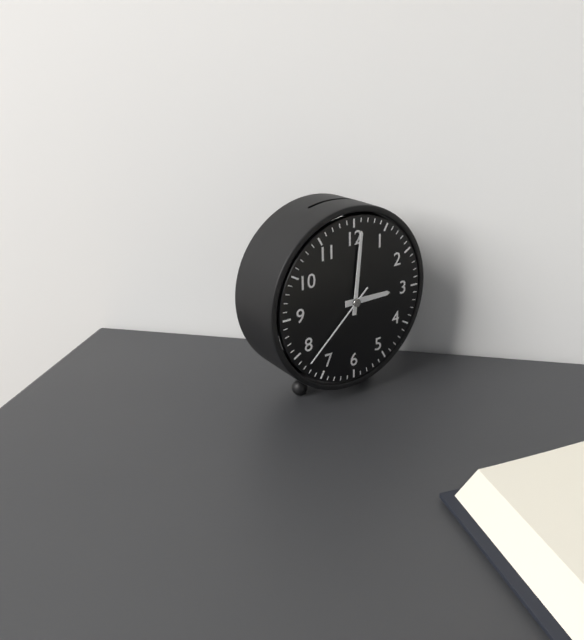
3:01:38
